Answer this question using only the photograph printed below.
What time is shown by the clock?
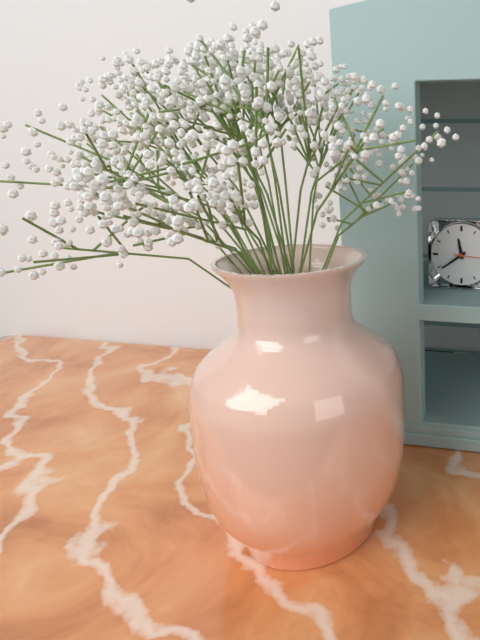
11:39
